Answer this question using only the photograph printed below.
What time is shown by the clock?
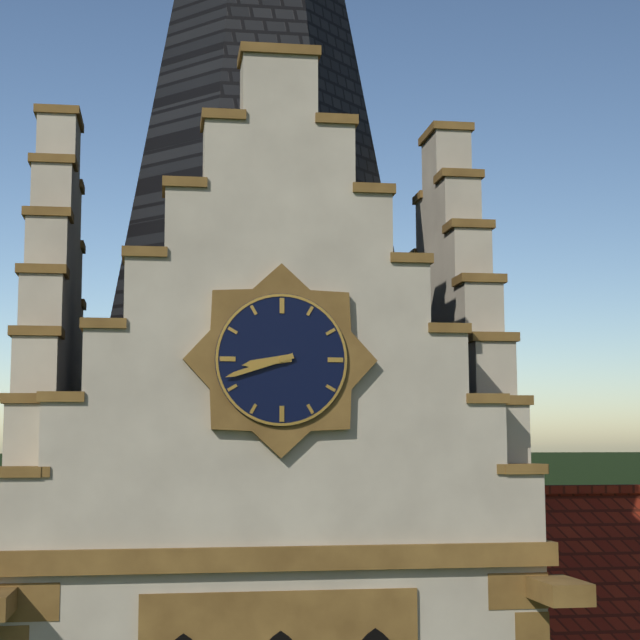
8:42
